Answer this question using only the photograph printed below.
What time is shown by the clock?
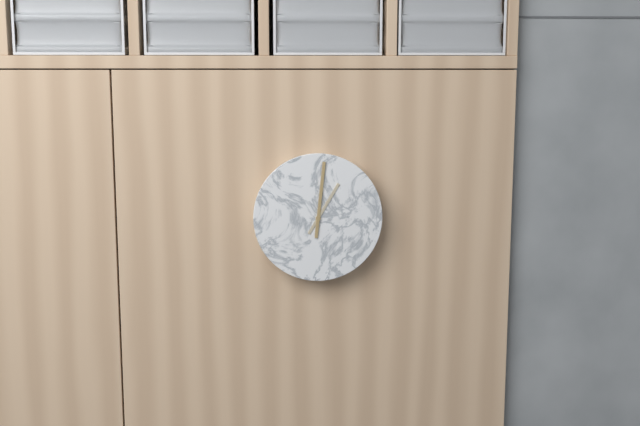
1:01
